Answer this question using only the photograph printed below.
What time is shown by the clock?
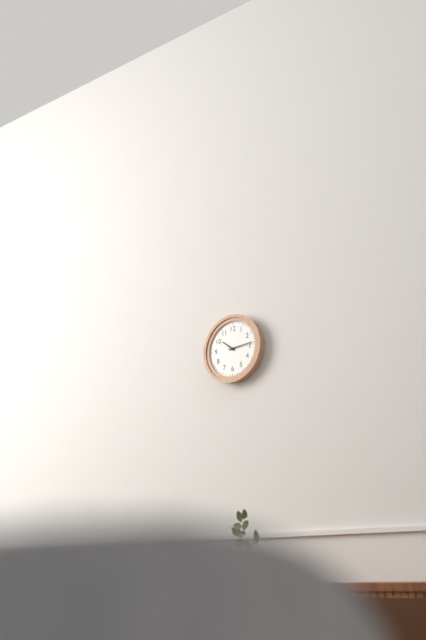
10:14
